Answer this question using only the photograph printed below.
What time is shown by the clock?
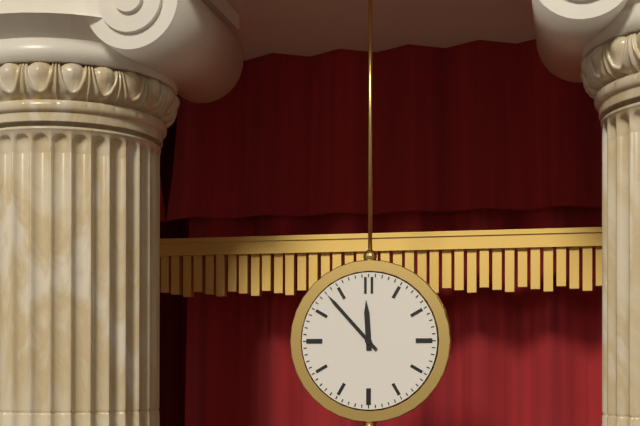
11:53
